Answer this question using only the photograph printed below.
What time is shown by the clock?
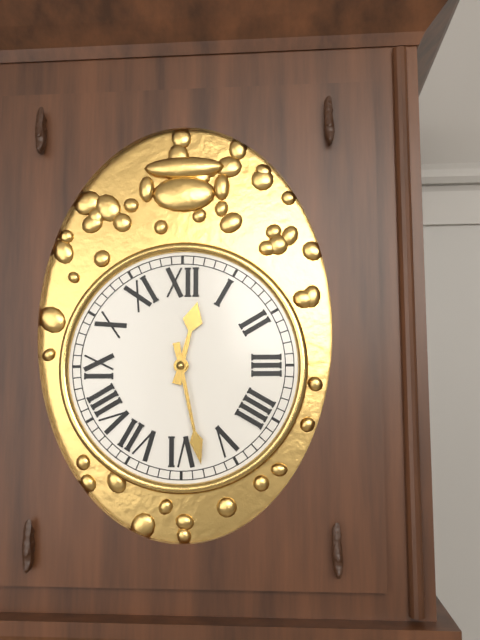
12:28
